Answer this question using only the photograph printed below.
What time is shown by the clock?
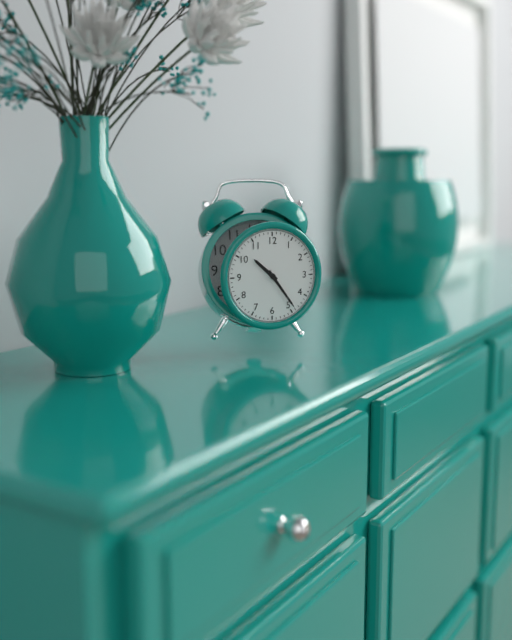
10:24
